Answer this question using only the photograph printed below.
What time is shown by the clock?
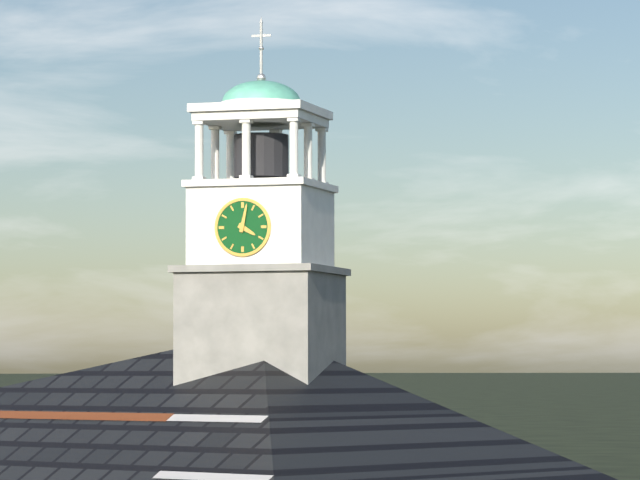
4:02
